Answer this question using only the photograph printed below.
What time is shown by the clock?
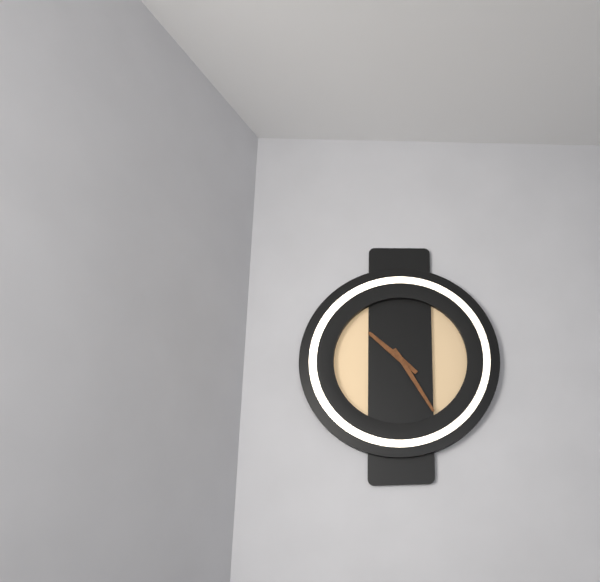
10:25
